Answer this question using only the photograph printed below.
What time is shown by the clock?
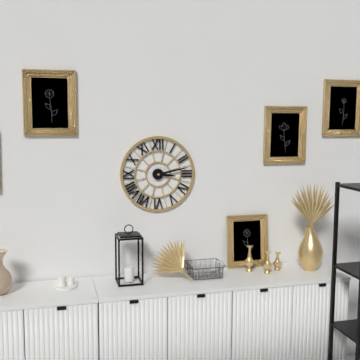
3:13
